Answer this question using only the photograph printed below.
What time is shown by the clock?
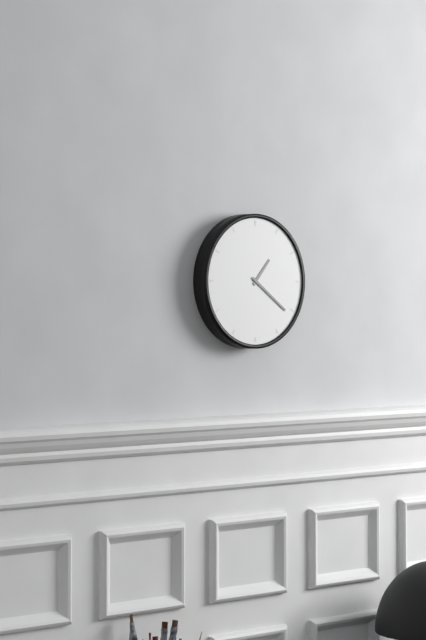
1:21
